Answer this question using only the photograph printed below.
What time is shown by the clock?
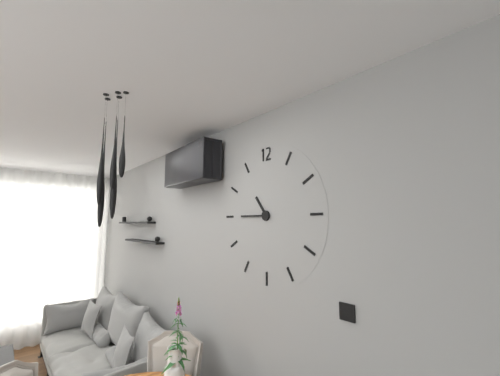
10:45
